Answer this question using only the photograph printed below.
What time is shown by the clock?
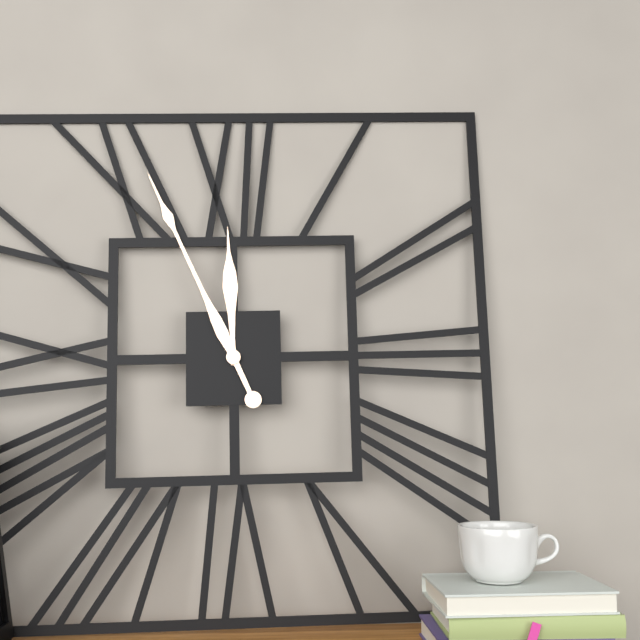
11:56
